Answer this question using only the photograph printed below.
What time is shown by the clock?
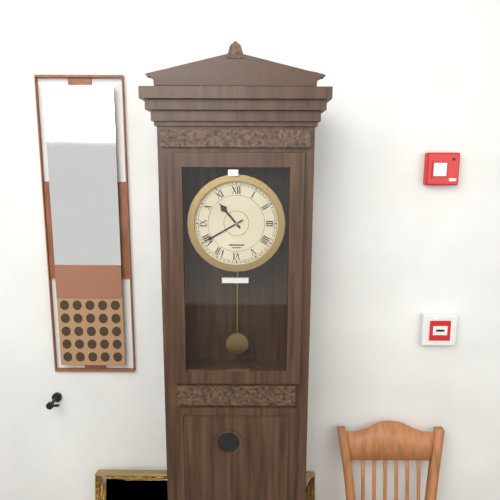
10:40
